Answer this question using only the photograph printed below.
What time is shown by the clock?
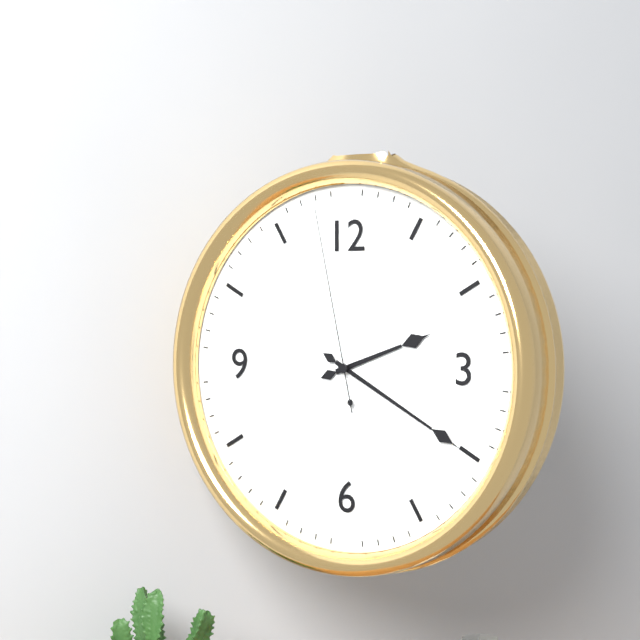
2:20:58
